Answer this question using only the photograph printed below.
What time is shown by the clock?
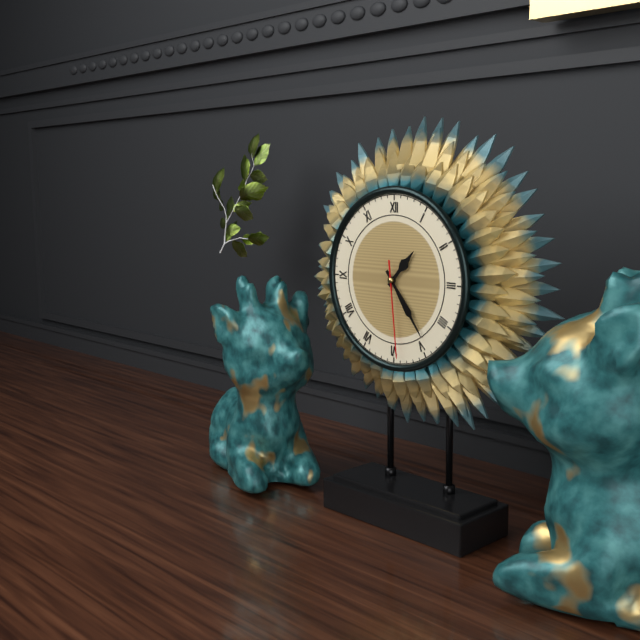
1:24:29
